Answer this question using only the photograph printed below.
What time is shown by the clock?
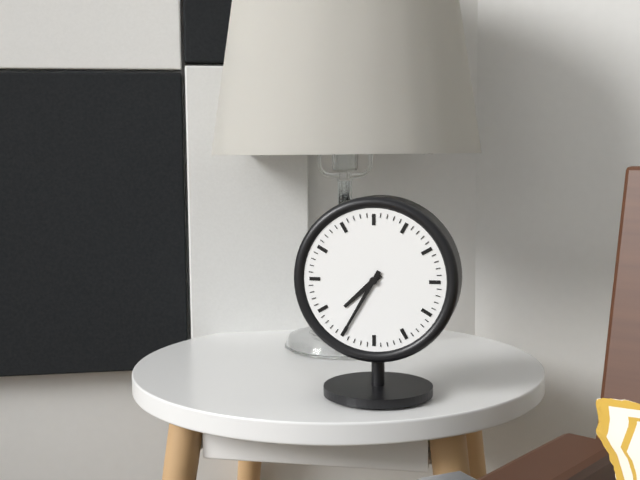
7:35
